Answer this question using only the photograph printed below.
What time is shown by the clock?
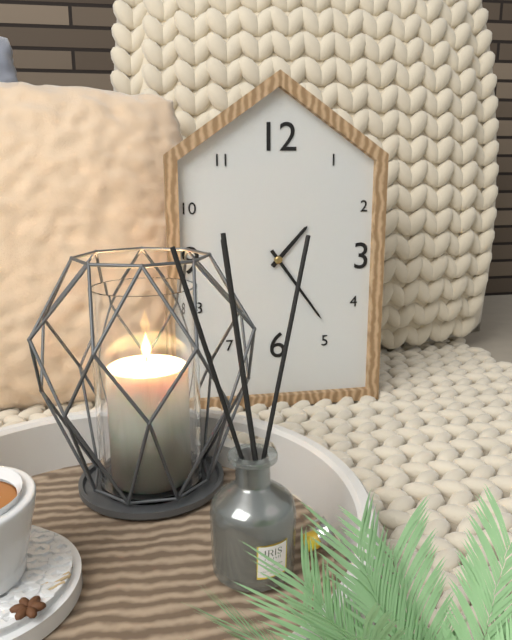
1:24
